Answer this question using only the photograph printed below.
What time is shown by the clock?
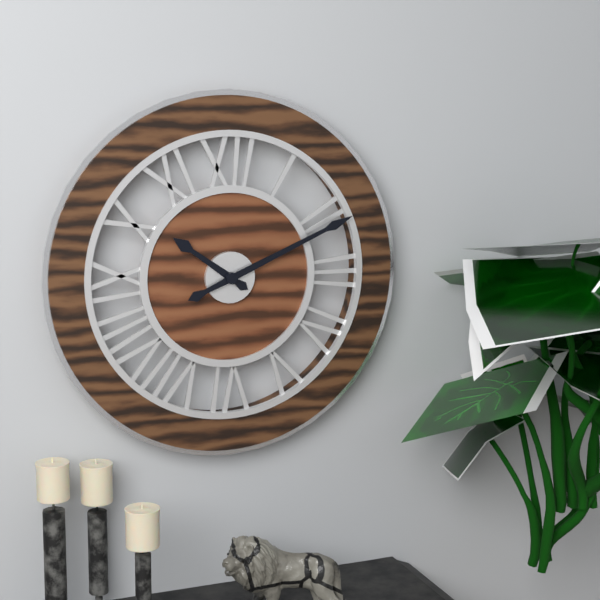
10:11
